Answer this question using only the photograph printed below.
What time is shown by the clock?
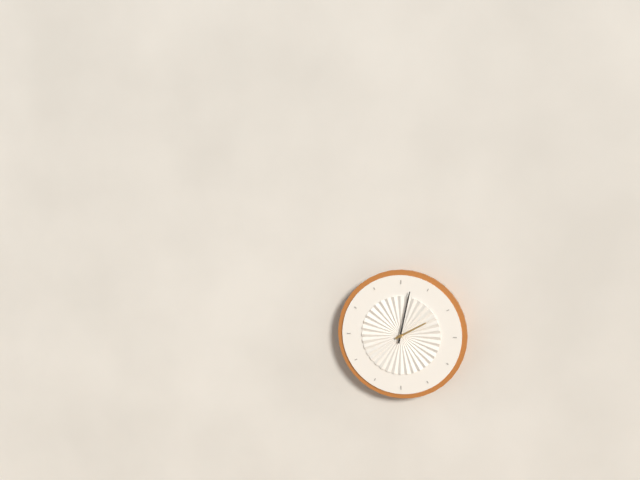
2:02
